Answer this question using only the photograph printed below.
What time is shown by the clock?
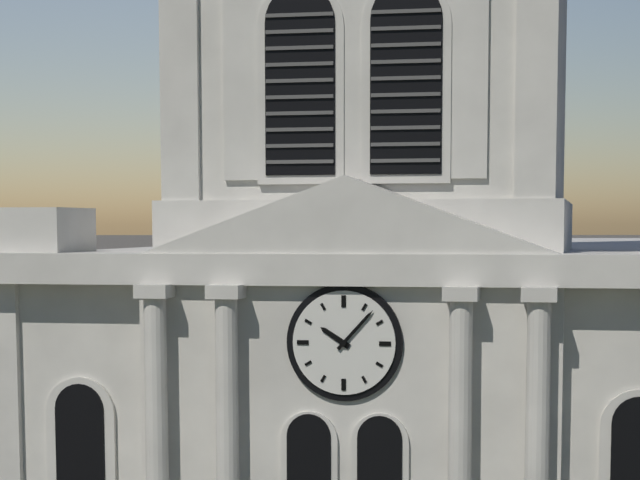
10:07
